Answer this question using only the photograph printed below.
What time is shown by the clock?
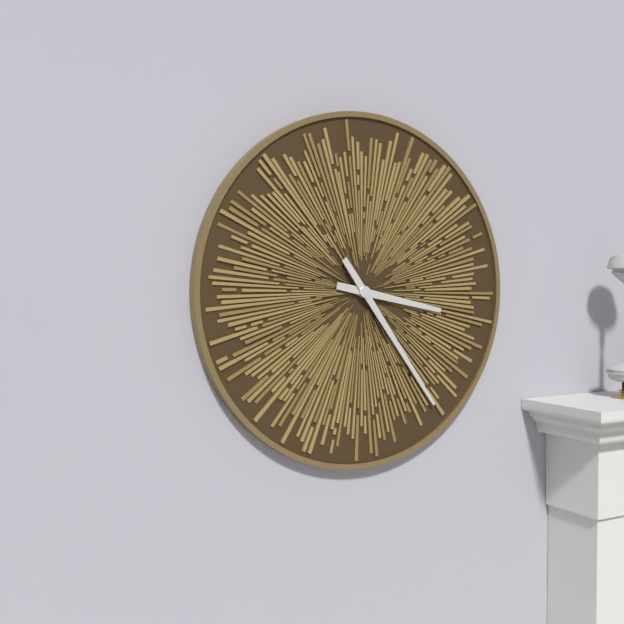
3:24
